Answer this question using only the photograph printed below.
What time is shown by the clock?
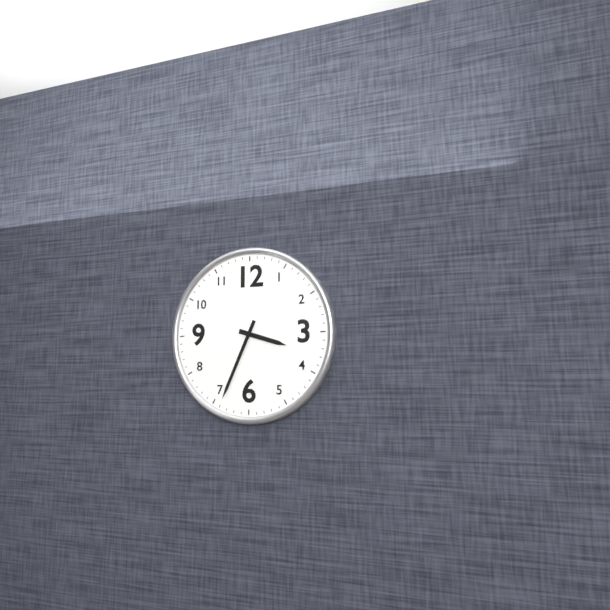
3:34
